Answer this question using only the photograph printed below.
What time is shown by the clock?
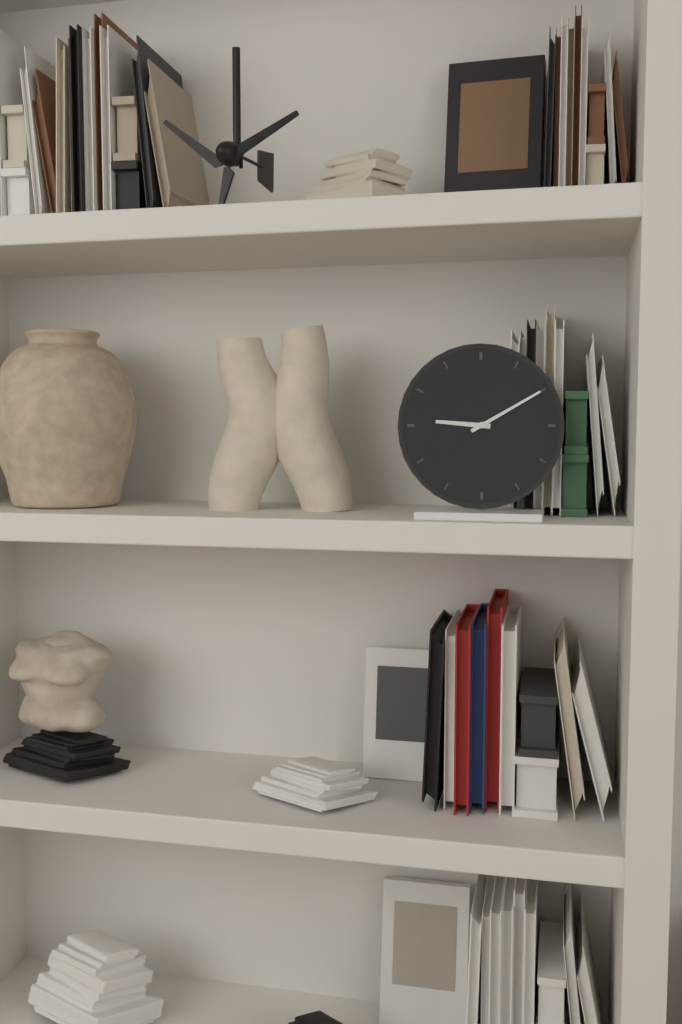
9:10
